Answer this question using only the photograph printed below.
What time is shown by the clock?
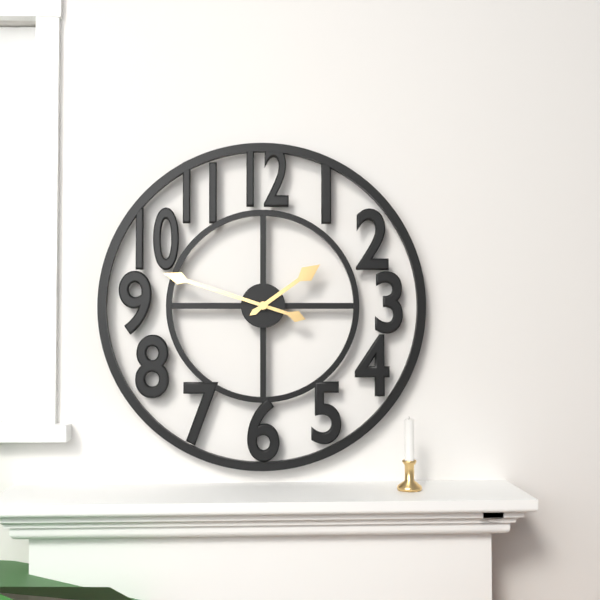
1:48
